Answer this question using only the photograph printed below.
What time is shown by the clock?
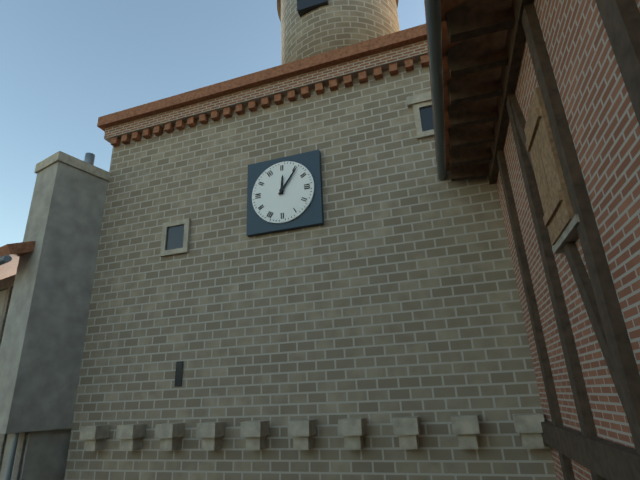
12:06
